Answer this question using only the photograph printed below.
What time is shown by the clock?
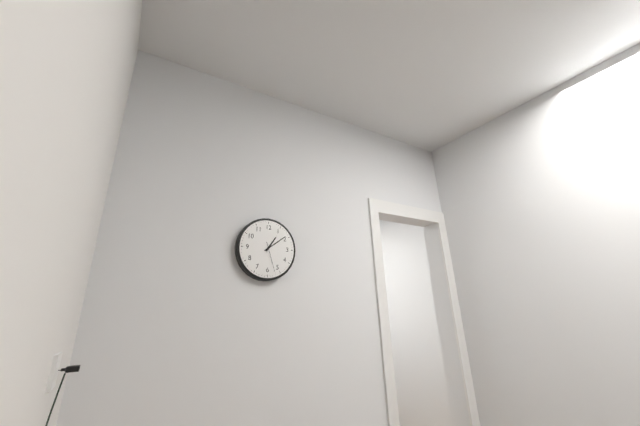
1:09
